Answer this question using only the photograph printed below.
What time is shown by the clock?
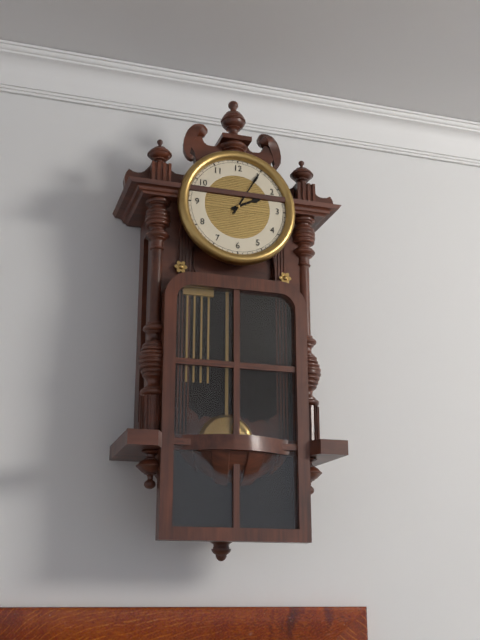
2:05
